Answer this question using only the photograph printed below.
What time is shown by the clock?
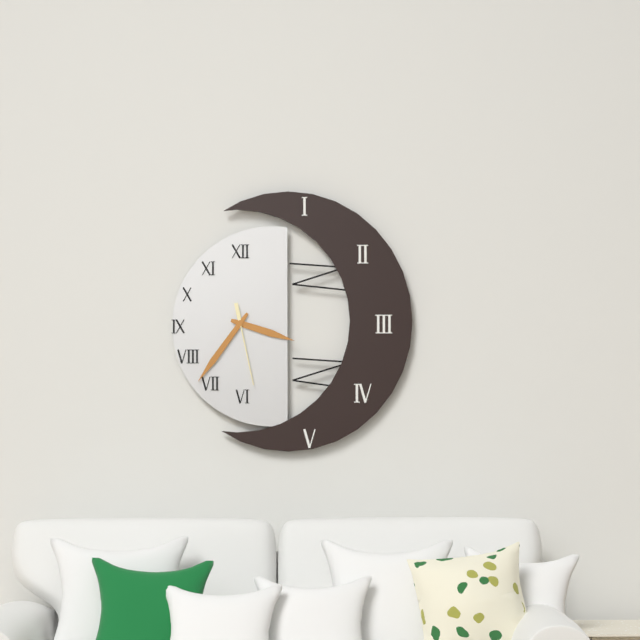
3:36:28
